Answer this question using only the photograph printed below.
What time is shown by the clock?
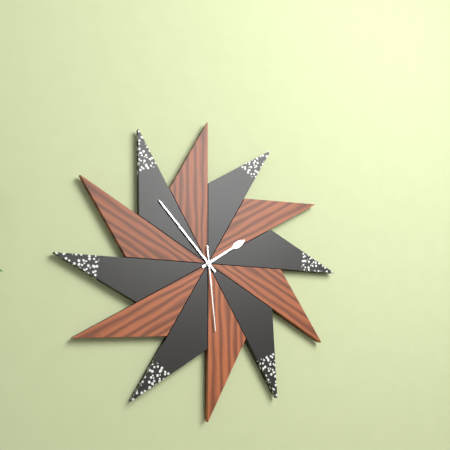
1:53:29
